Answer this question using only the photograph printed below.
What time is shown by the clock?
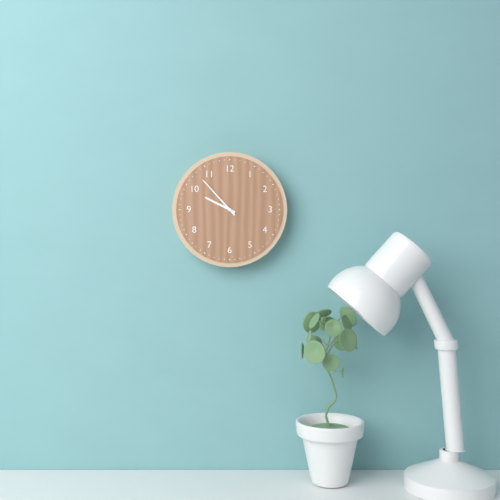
9:53
